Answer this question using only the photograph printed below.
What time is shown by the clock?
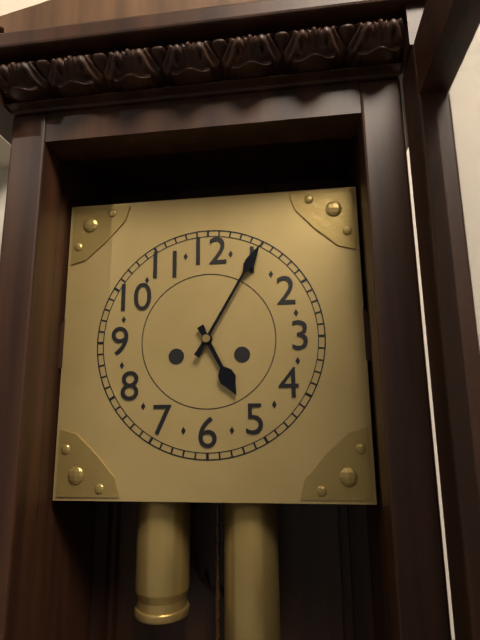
5:05
